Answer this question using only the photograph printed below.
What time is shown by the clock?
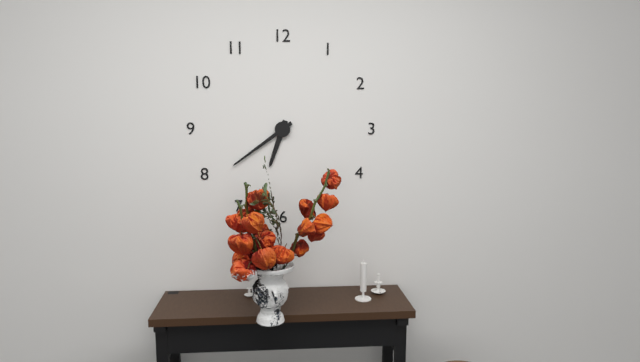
6:39
